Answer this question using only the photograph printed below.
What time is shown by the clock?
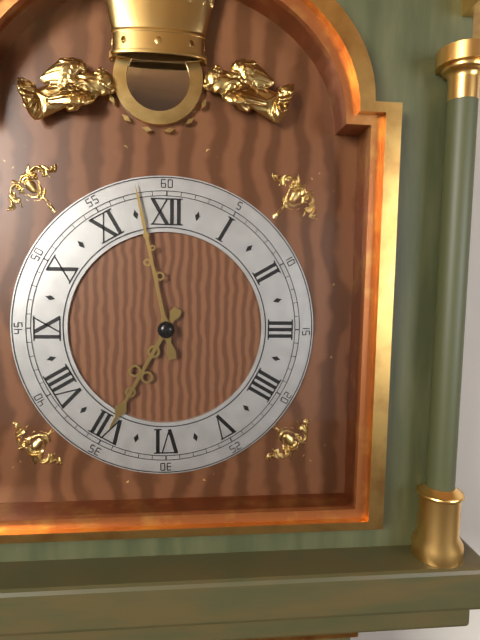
6:58
